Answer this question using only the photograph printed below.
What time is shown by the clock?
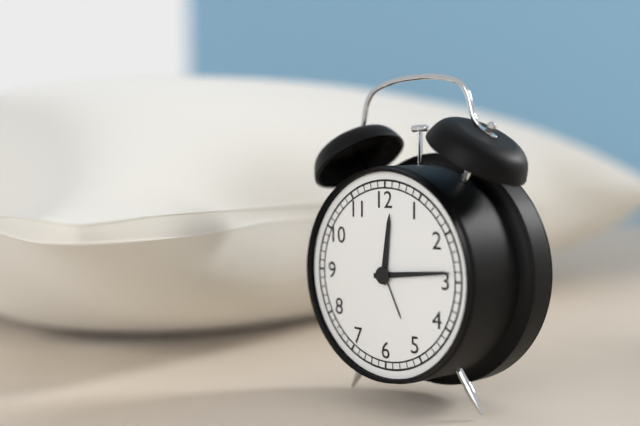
12:14
